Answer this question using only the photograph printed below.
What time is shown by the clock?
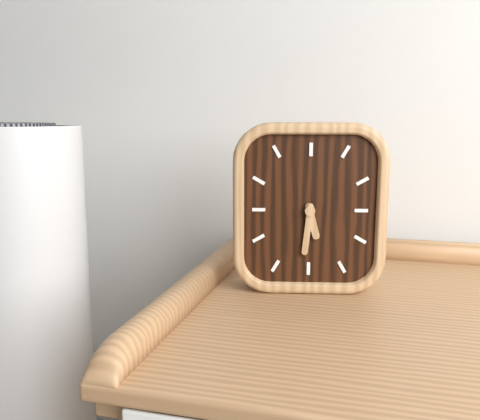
5:31
